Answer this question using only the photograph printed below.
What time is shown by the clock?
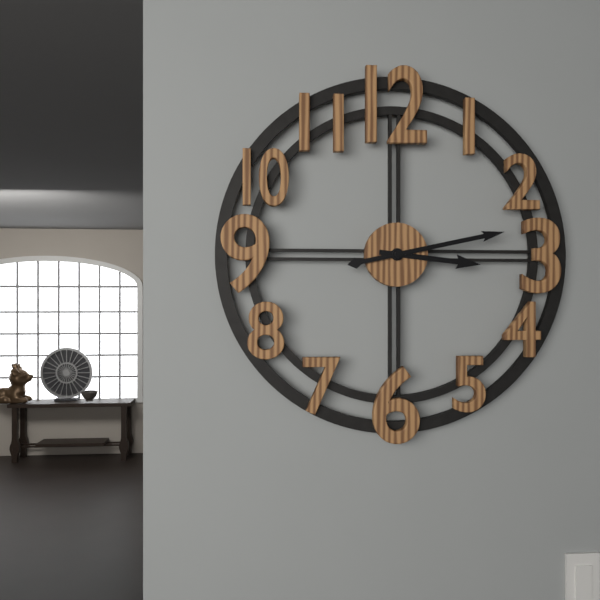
3:13
